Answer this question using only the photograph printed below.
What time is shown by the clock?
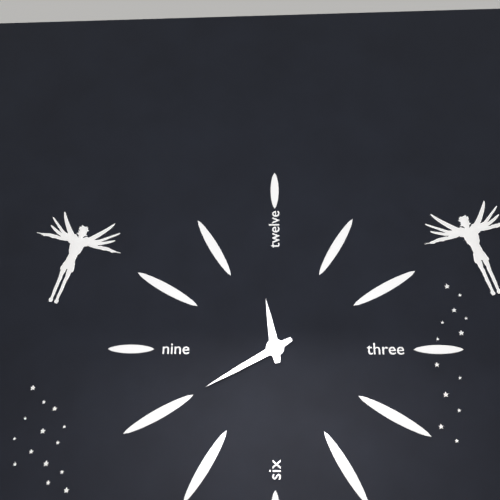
11:40
